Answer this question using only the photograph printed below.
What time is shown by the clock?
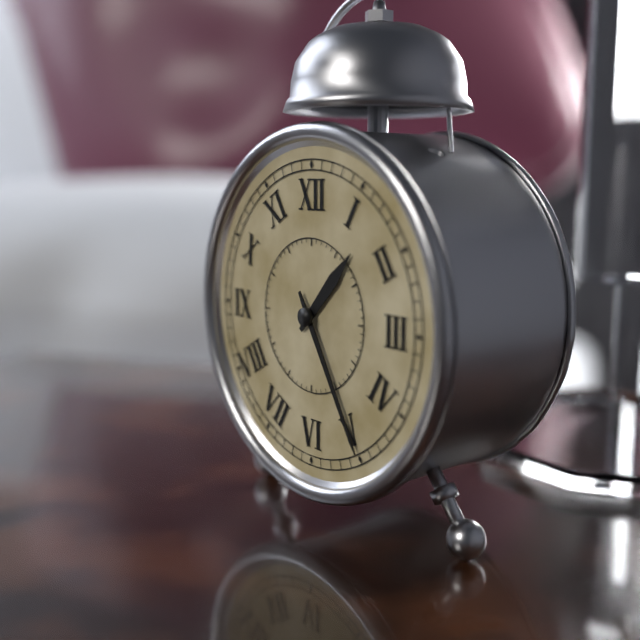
1:25
